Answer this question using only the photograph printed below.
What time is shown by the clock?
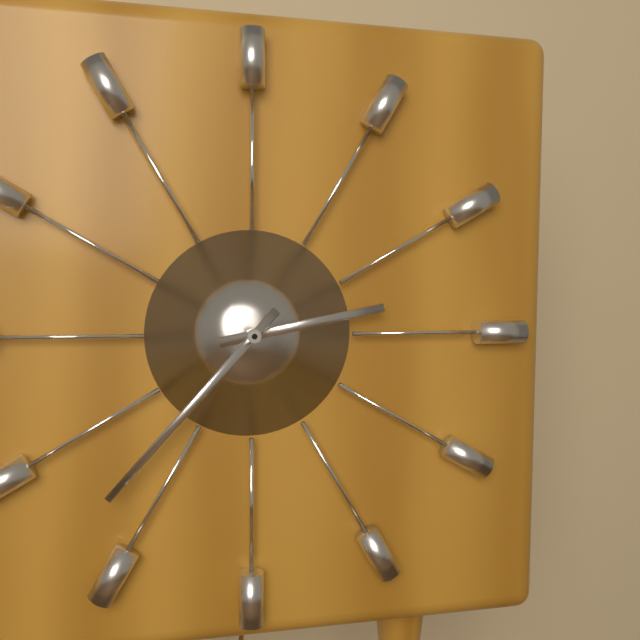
2:37
